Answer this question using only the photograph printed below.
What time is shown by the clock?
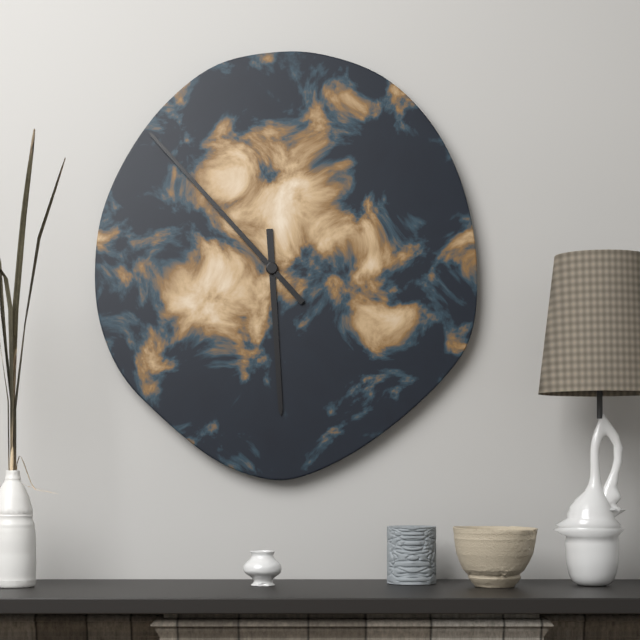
5:53
